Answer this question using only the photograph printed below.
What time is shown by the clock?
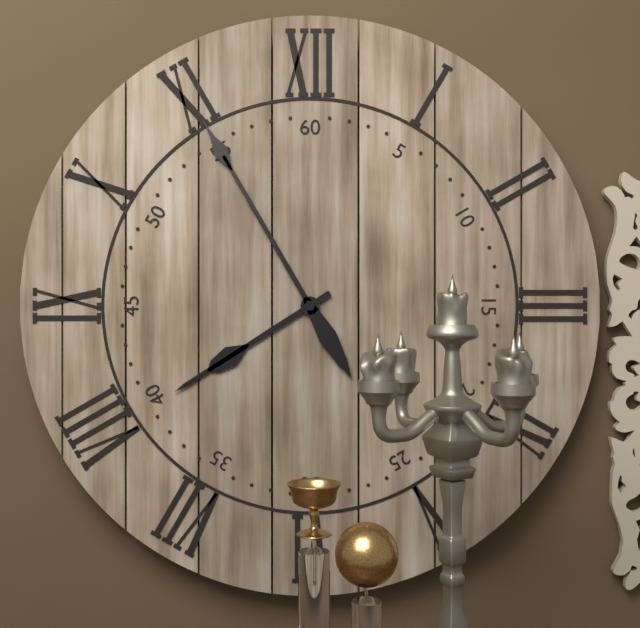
7:55
